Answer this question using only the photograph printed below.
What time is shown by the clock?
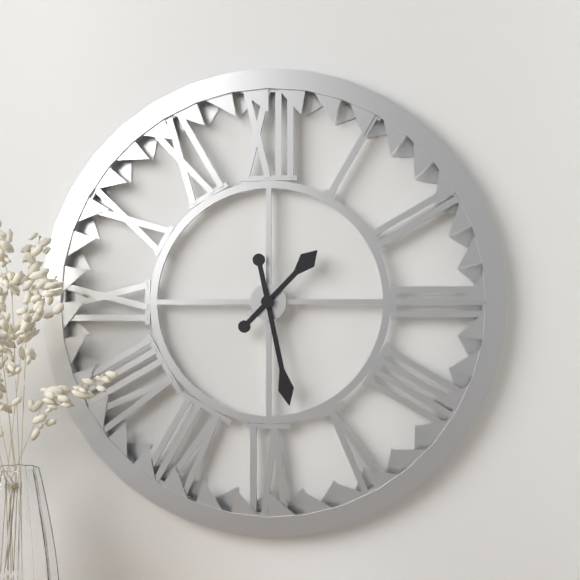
1:28
